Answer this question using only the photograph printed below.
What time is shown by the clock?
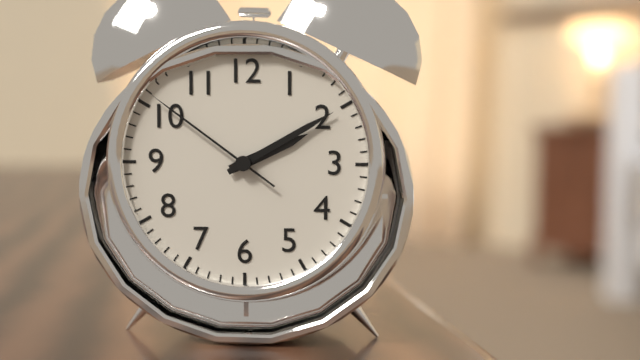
2:10:51
